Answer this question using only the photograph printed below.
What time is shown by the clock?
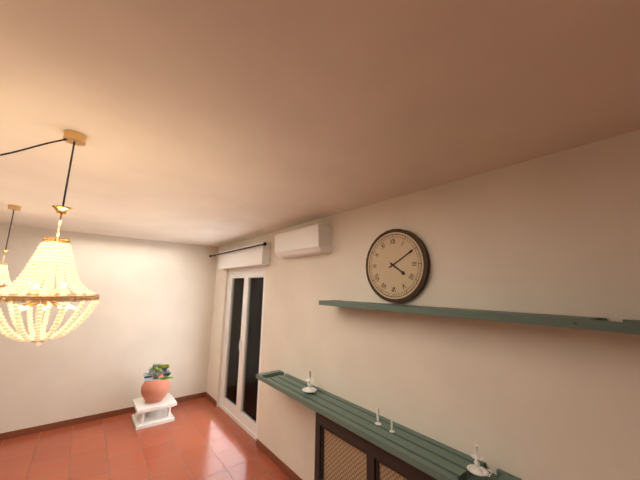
4:10
